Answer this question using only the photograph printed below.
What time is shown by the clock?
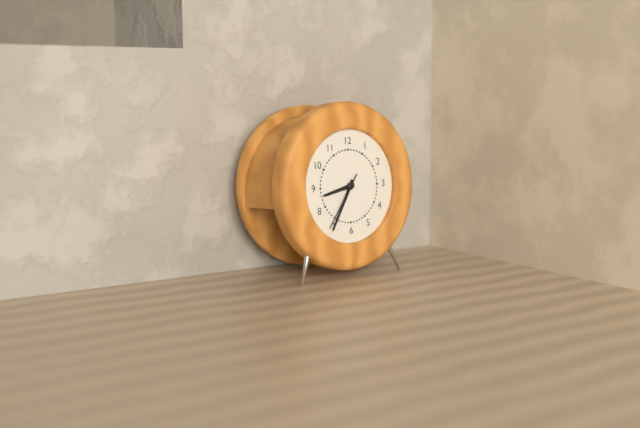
8:35:36
